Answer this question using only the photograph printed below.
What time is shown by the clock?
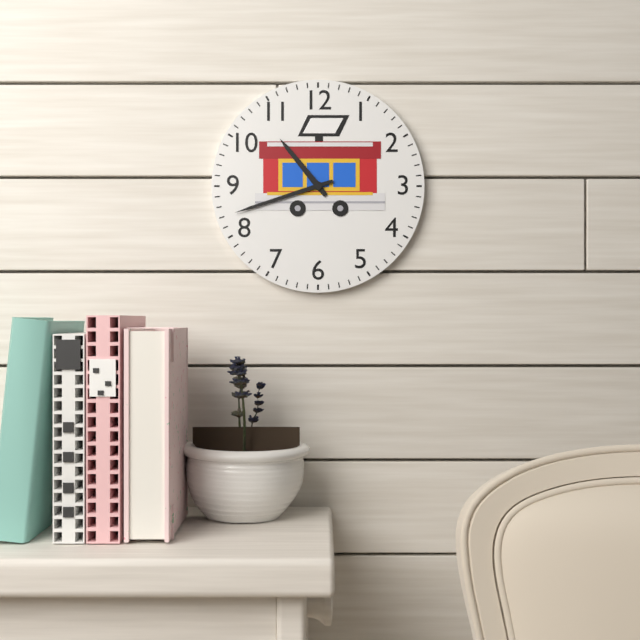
10:42
